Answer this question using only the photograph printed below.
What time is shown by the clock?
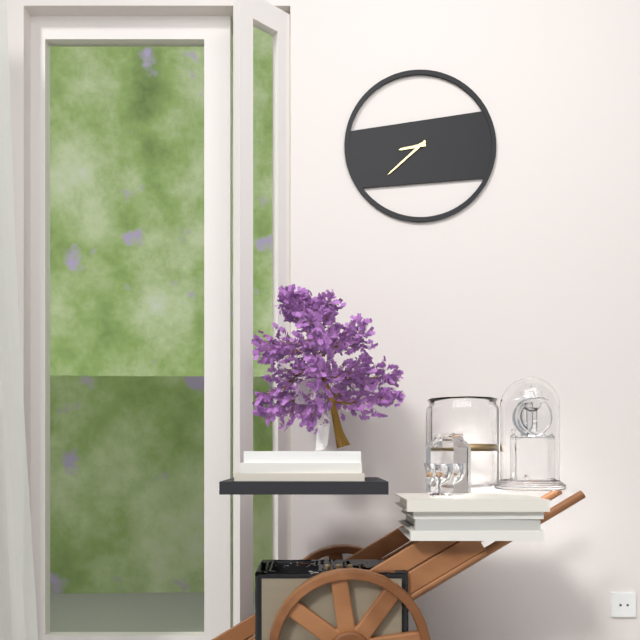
8:38
